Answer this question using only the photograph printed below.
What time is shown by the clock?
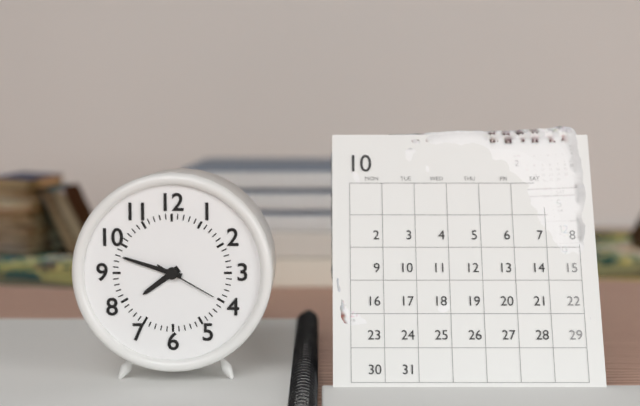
7:48:20
